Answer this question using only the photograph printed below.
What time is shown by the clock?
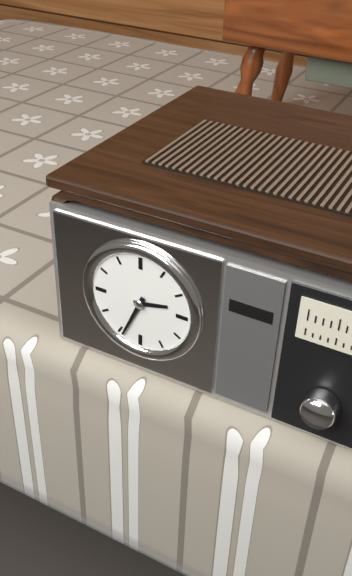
2:34
